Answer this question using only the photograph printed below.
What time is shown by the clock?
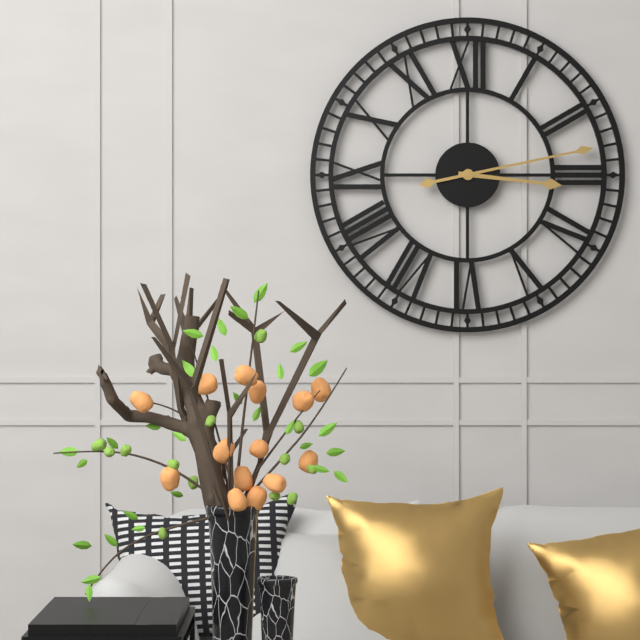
3:13
